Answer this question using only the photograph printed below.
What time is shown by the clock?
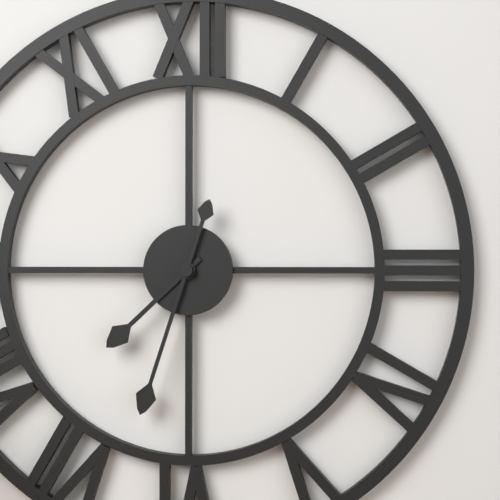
7:33
